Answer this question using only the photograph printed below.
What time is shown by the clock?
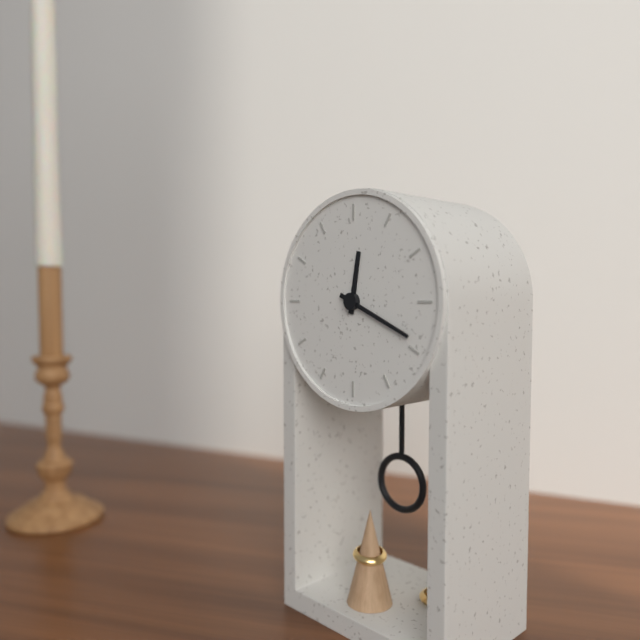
12:19
